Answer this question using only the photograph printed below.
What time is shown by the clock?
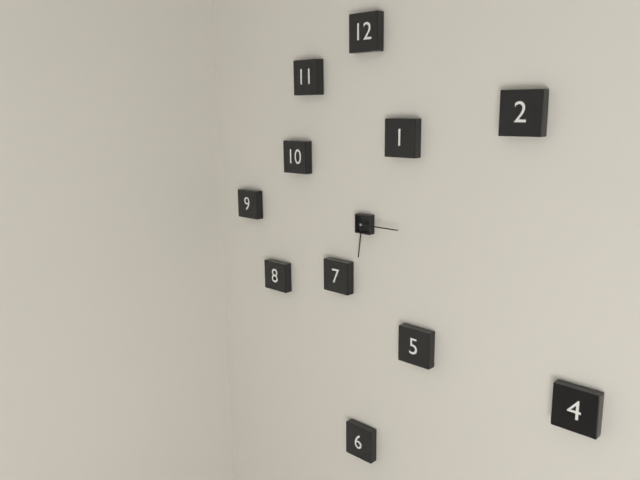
6:15
